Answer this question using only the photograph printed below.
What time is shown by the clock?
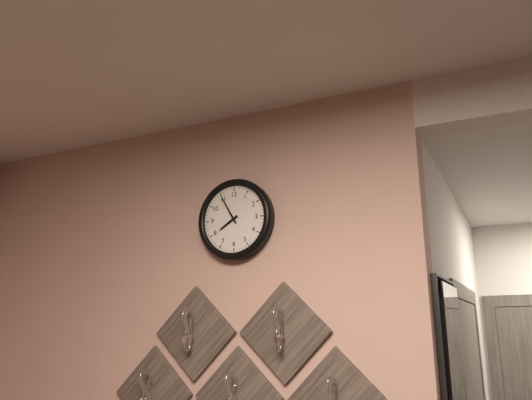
7:55
